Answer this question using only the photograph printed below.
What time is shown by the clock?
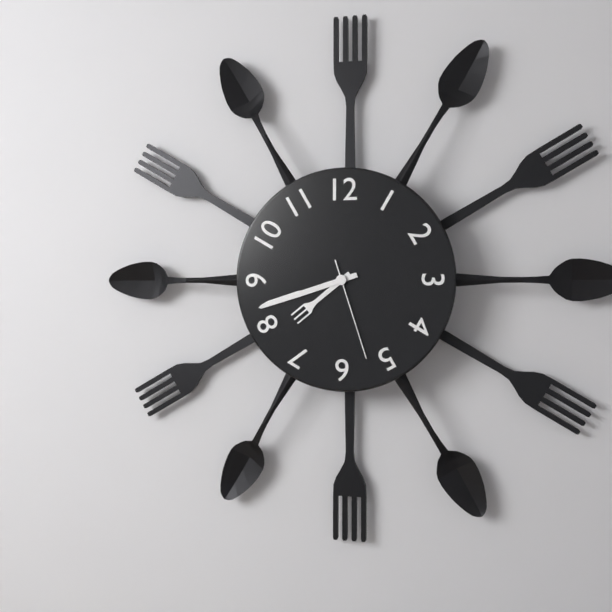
7:42:27
